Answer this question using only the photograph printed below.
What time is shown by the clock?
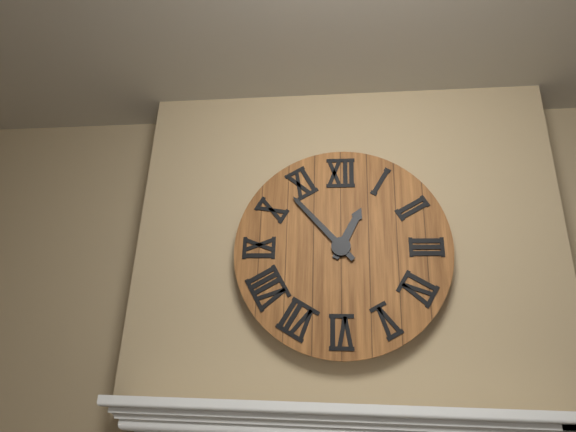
12:53
